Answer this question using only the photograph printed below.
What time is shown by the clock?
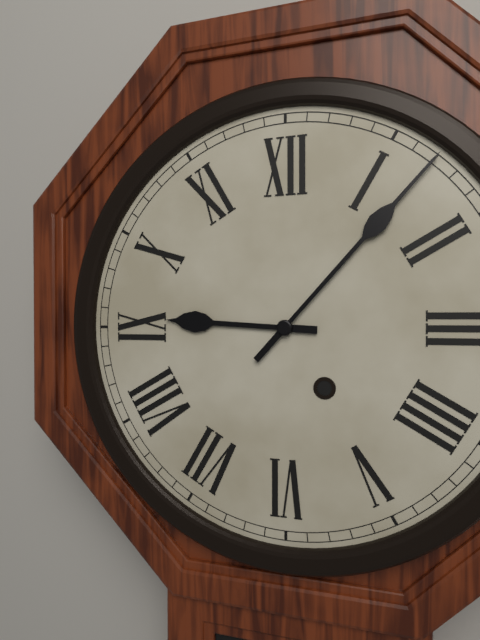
9:07
